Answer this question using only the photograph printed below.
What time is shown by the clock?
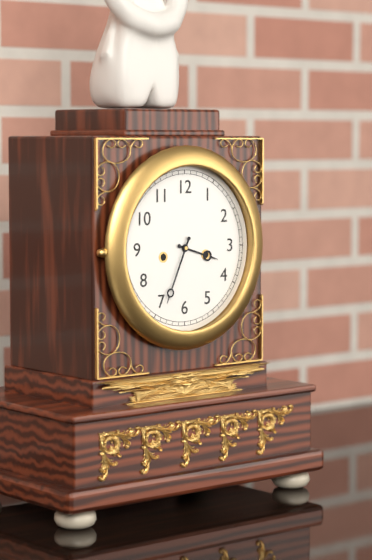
3:34
